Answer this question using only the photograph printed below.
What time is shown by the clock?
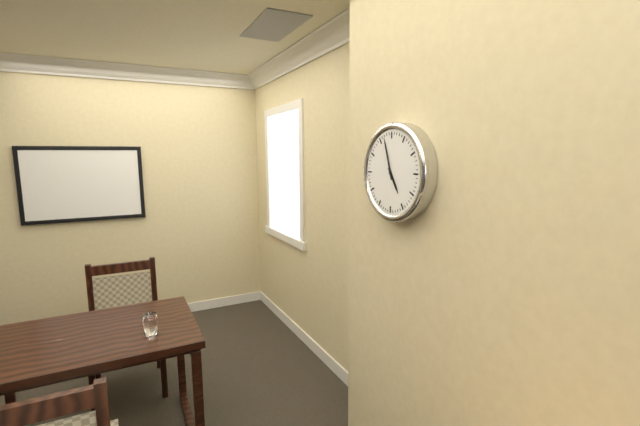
4:57
